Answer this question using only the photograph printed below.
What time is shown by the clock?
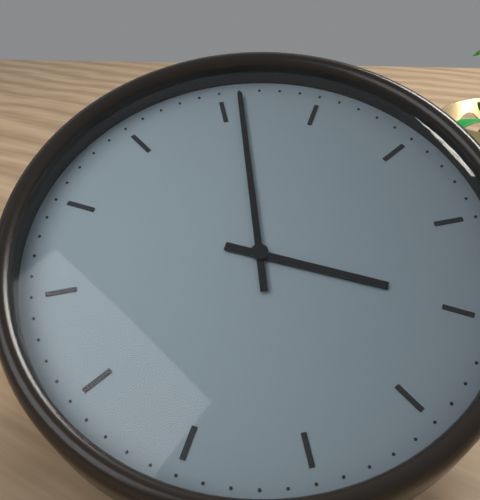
2:56
